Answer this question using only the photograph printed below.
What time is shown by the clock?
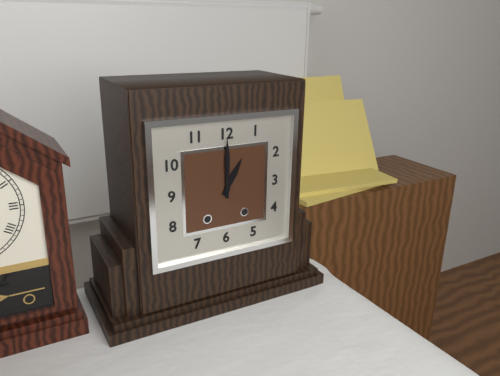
1:00
